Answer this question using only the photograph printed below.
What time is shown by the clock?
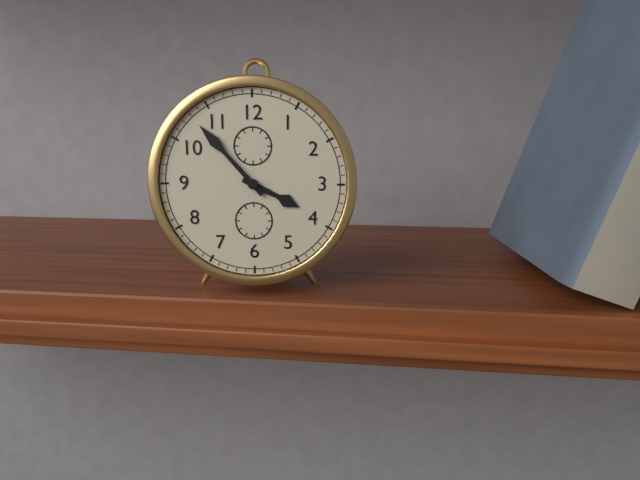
3:53
